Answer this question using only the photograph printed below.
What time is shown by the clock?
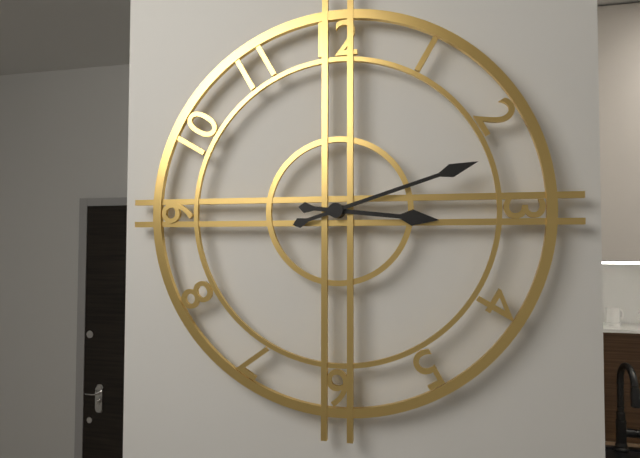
3:12
